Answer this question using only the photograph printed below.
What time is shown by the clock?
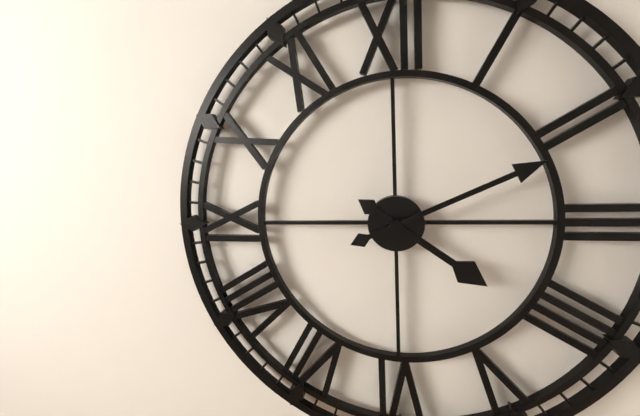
4:11
